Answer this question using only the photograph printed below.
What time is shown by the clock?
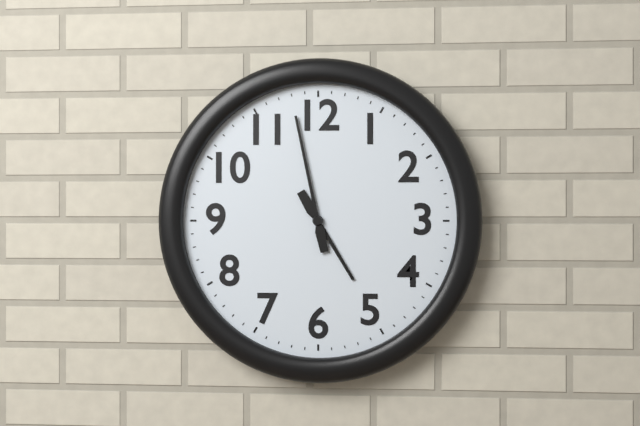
4:58
